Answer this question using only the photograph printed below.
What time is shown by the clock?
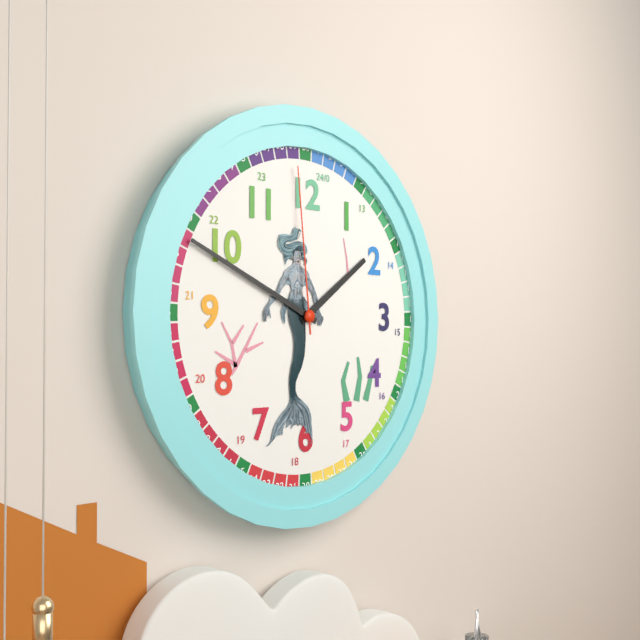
1:49:59
